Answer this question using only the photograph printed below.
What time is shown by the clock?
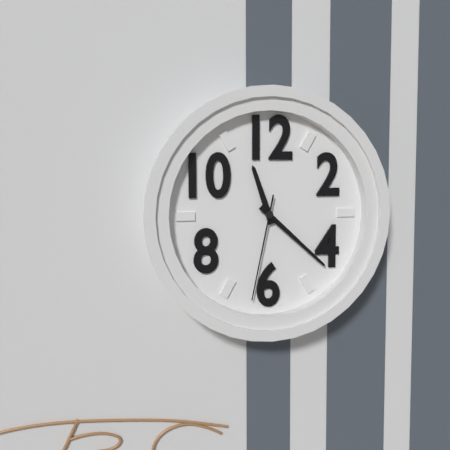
11:22:32
